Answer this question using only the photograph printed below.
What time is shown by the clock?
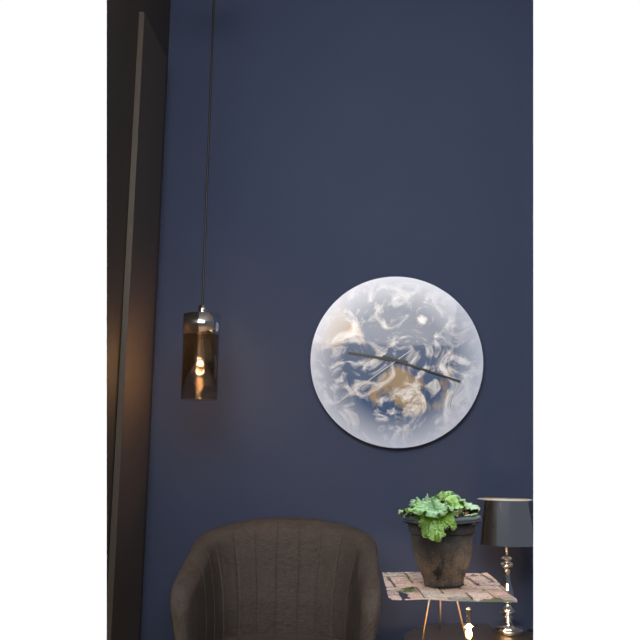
9:18:39
